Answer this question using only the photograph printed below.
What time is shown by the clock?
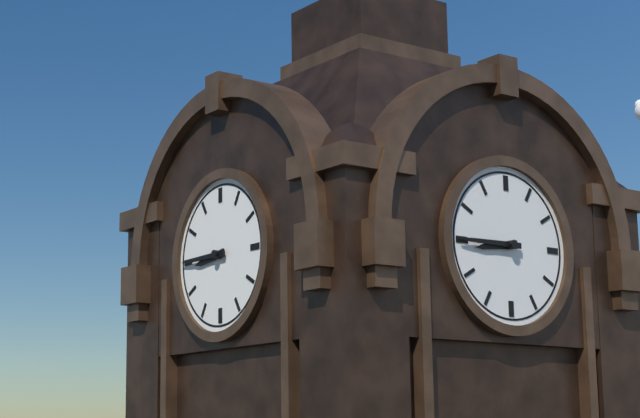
8:45
